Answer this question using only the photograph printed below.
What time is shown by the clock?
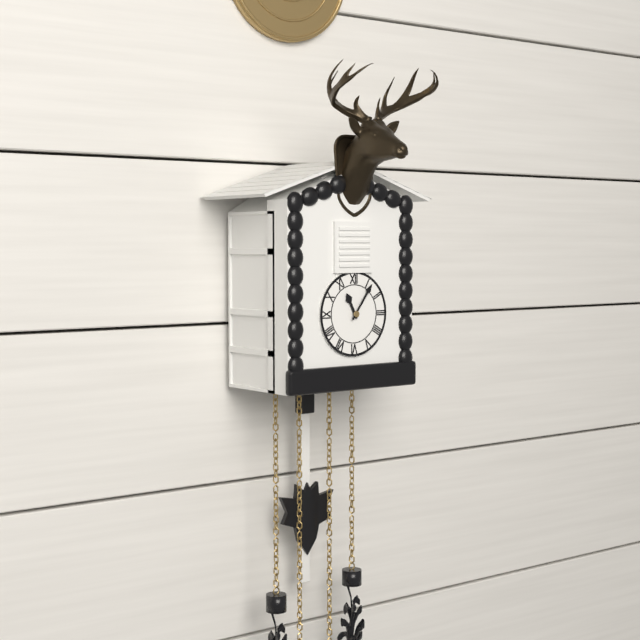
11:06
